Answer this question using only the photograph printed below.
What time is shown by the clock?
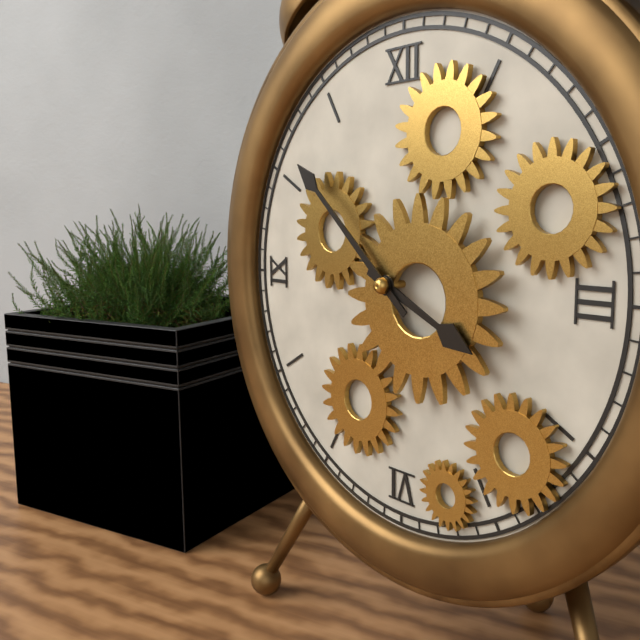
3:52
